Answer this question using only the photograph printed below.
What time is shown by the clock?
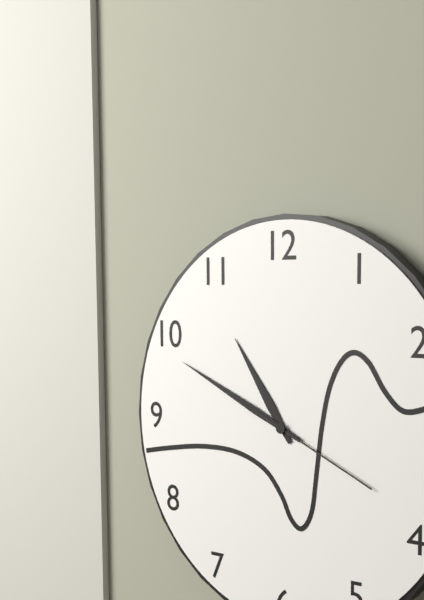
10:49:19
